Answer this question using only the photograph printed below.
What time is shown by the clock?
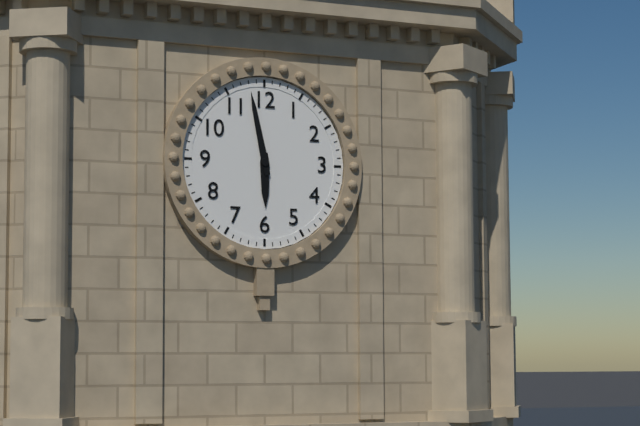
5:58
